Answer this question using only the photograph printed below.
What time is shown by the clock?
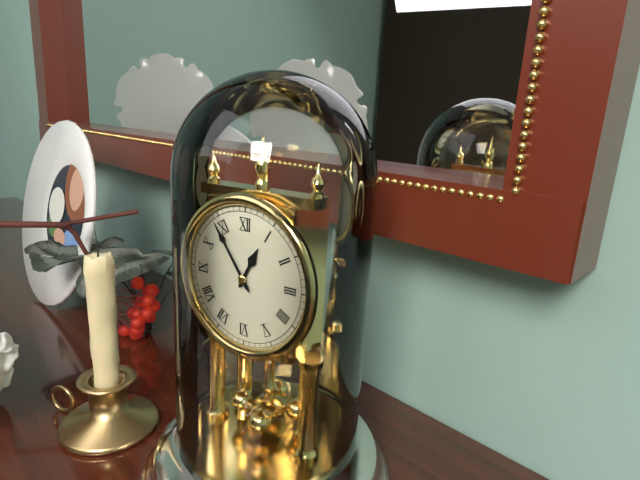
12:54
